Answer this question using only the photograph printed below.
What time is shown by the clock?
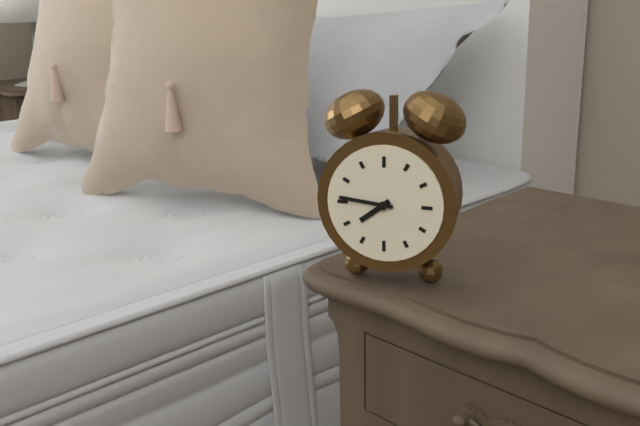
7:46
